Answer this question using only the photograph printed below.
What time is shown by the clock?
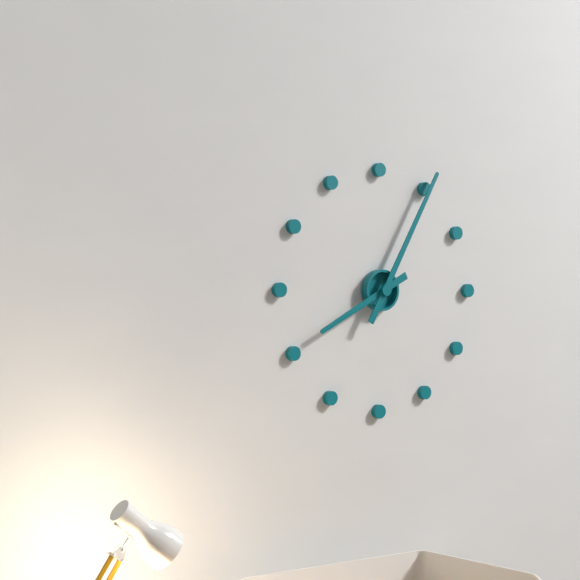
8:05
